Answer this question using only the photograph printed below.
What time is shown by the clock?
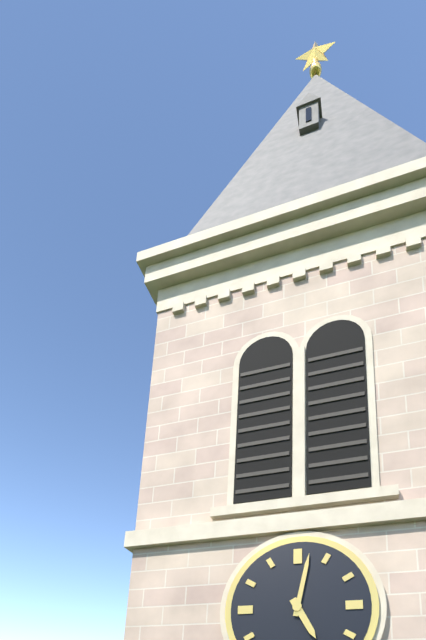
5:02
